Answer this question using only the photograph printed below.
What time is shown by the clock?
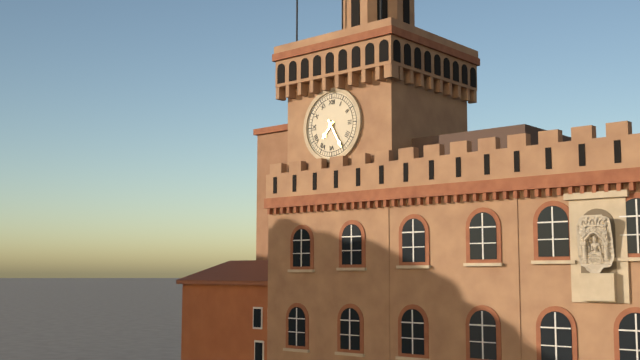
7:25
